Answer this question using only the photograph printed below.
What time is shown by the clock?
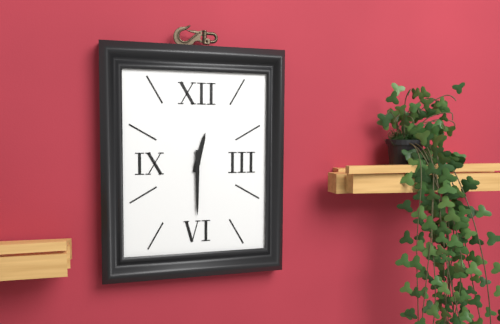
12:30
